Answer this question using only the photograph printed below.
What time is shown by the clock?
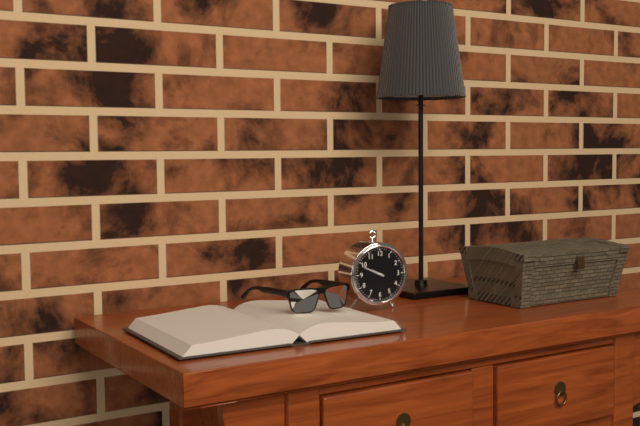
9:49
